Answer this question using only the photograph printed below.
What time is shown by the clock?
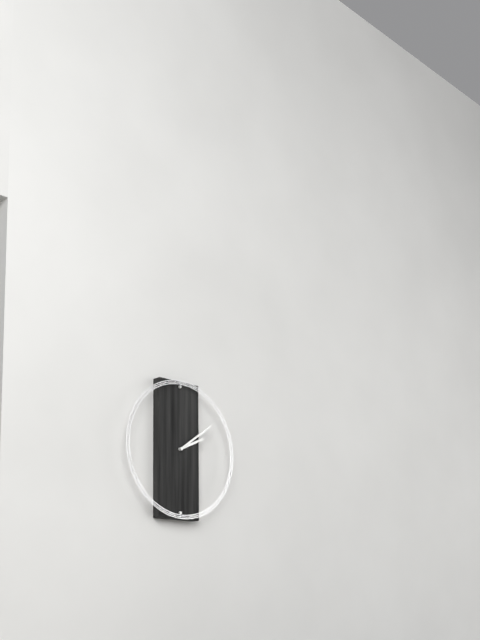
2:09
